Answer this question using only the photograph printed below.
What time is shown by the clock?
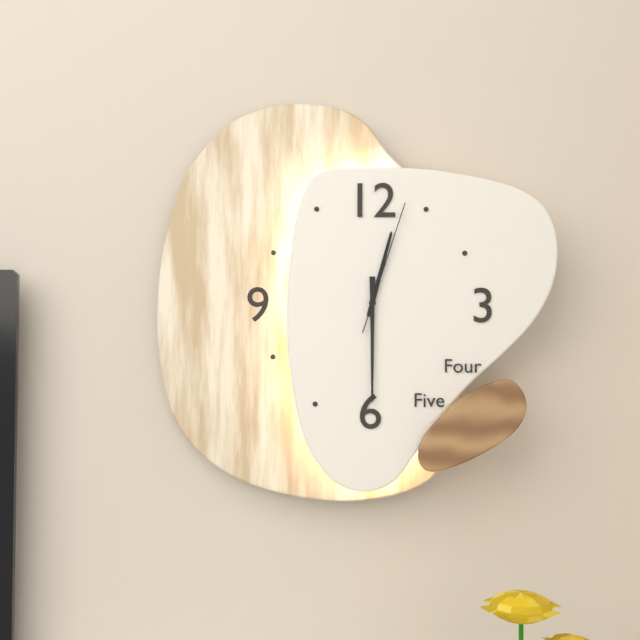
12:30:03
